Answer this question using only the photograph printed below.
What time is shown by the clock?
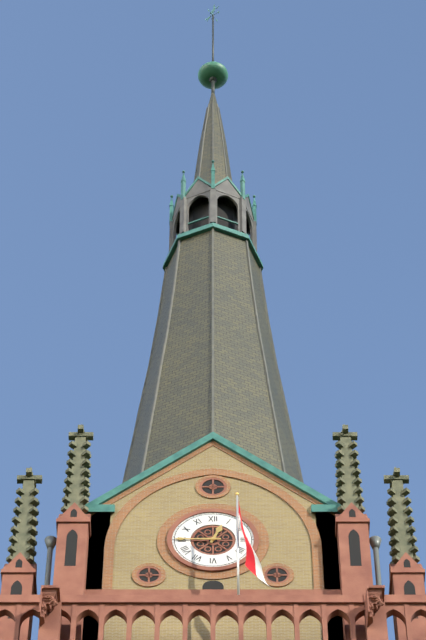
12:45
